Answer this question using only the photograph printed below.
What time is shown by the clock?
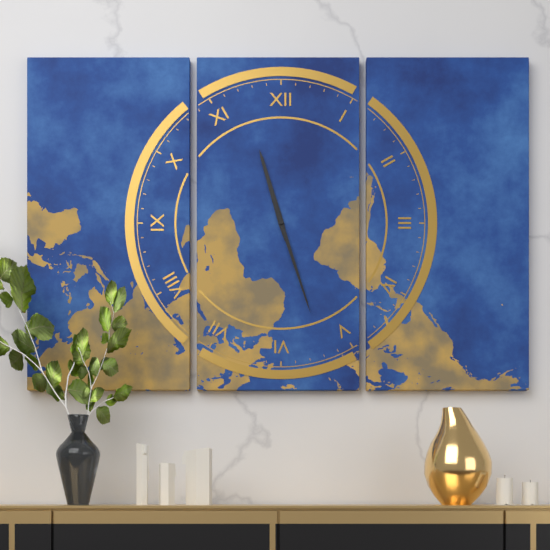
11:27
